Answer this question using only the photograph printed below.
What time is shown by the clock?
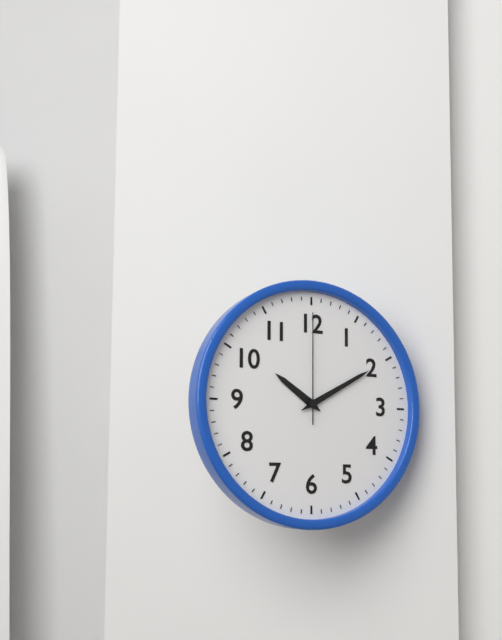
10:10:00
